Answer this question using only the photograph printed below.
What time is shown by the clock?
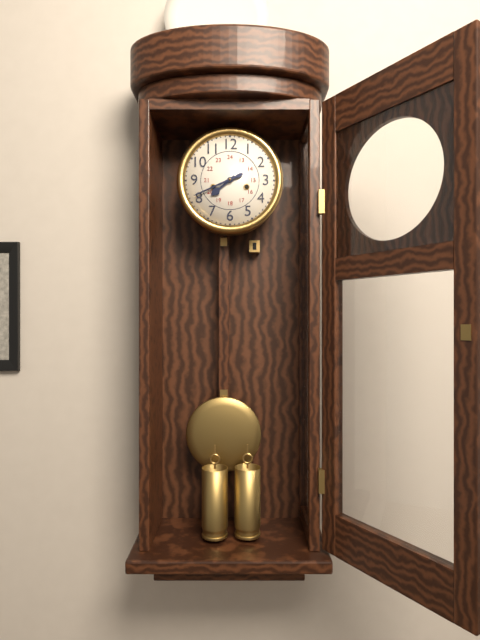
7:41
